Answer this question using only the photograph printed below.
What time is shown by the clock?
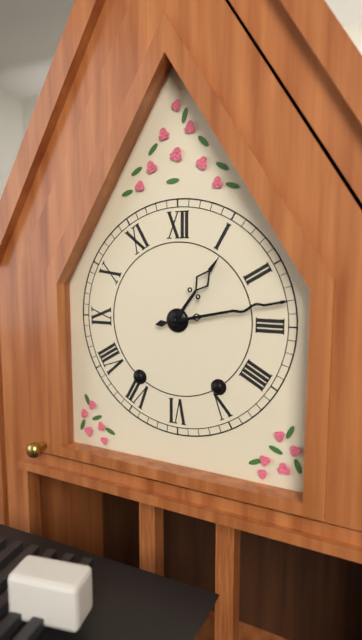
1:13
